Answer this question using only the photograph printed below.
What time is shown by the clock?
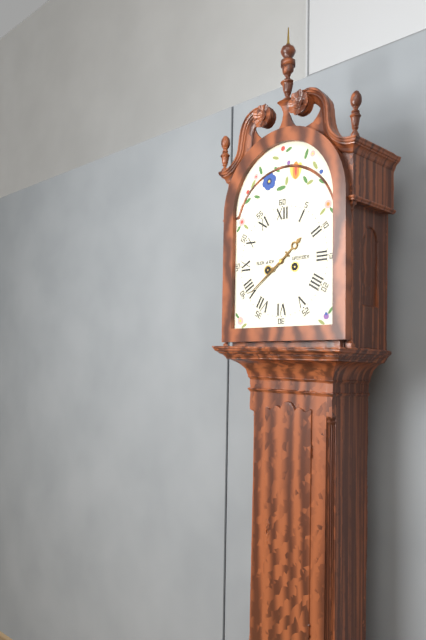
1:39
